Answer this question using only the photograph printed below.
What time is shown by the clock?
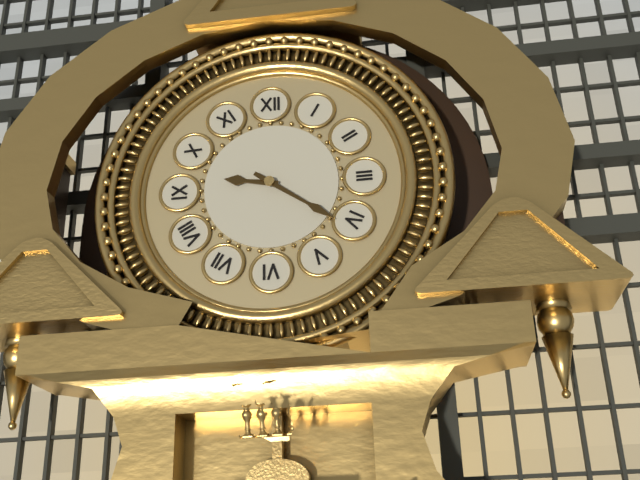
9:21
